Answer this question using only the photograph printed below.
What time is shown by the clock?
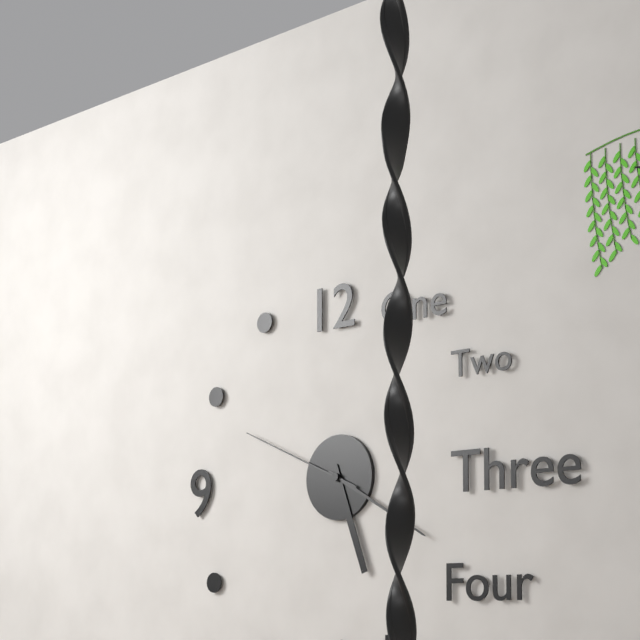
5:20:49
